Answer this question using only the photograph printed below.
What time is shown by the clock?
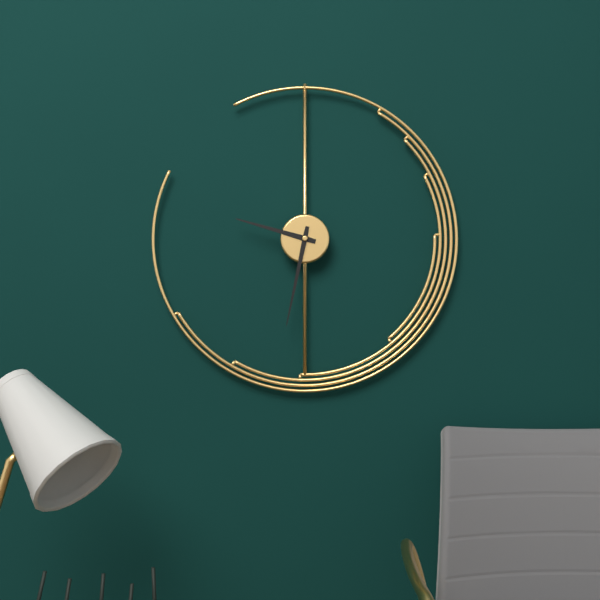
9:32
